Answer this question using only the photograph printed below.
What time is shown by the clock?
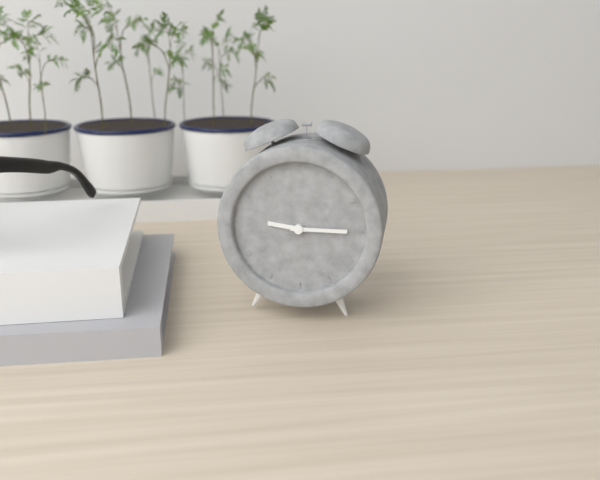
9:15
